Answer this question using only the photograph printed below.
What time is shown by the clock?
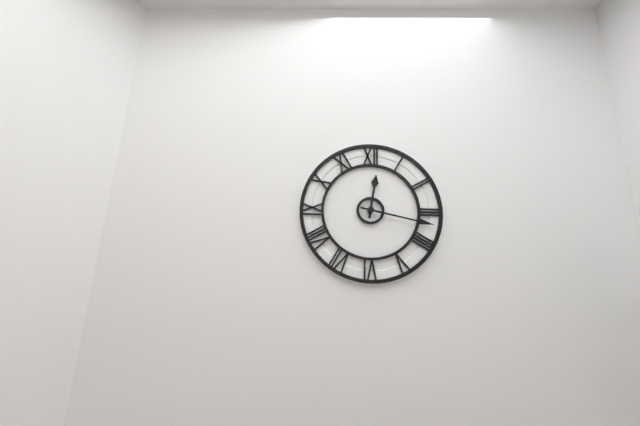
12:17
